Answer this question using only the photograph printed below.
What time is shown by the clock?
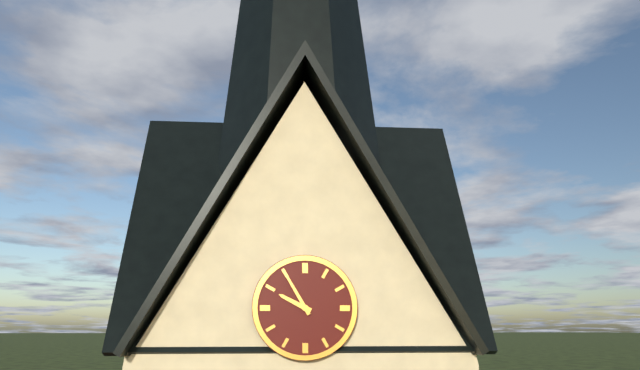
9:55
